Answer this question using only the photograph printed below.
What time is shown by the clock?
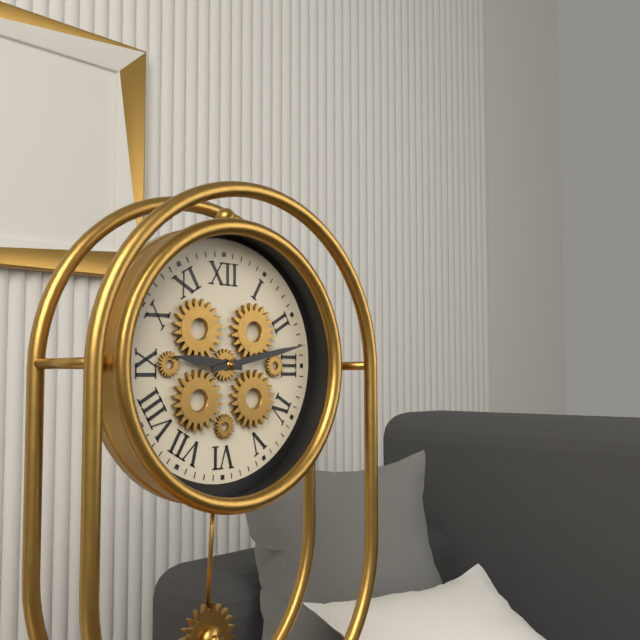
9:13
